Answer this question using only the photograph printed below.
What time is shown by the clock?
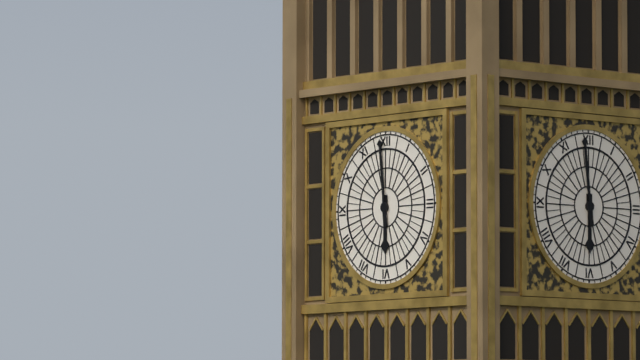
5:59
